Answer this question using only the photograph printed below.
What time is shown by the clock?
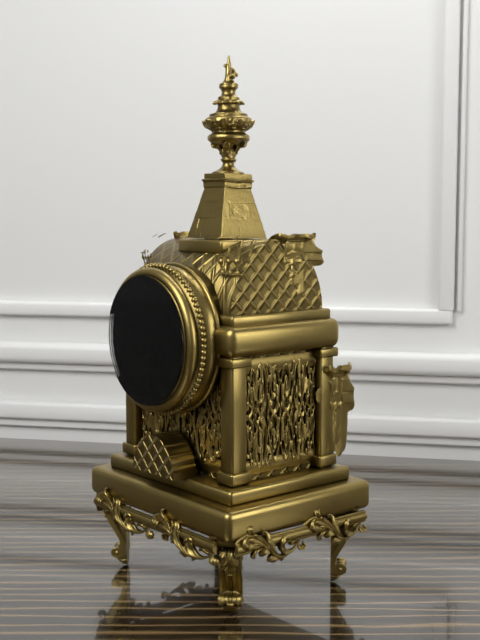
3:40
